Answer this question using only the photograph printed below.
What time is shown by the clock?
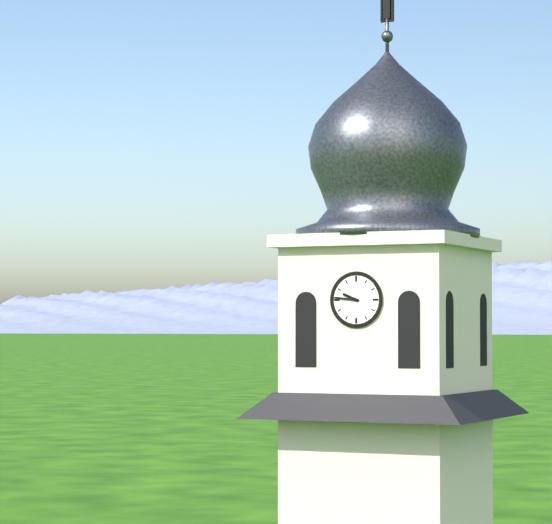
9:46
